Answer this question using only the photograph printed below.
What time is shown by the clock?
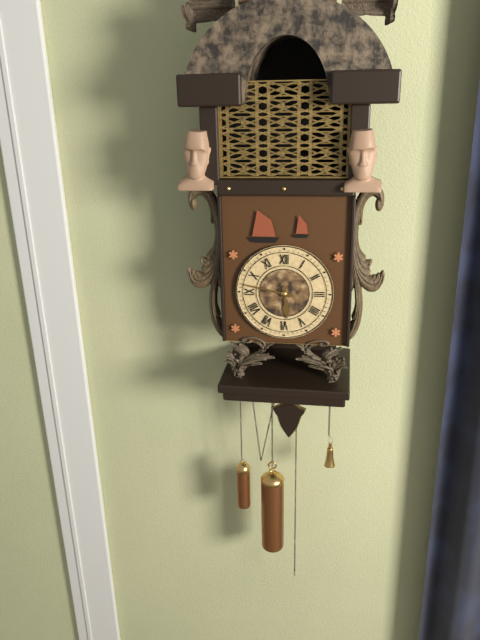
5:47
